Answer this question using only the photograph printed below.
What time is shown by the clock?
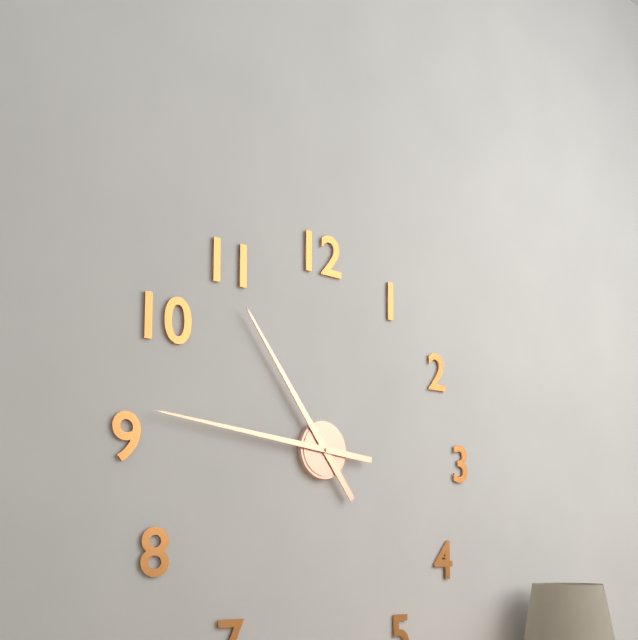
10:46
